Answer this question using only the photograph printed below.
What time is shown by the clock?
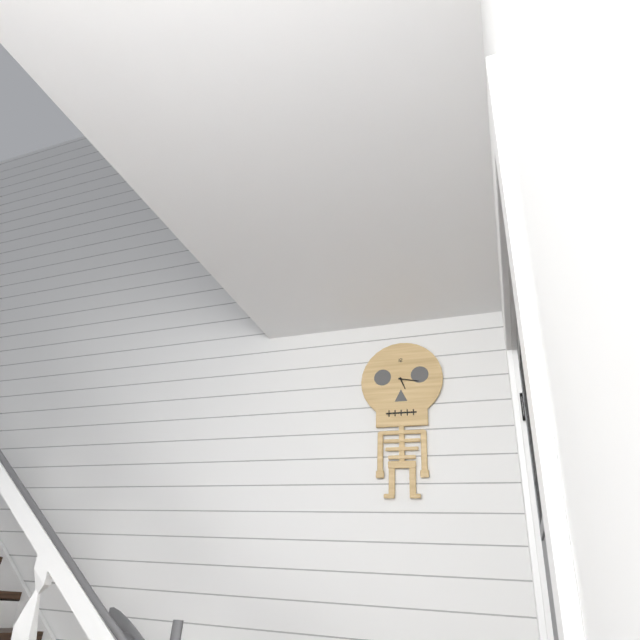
5:17
